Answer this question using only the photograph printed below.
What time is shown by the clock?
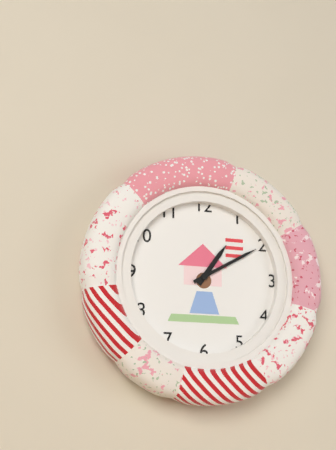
1:10
